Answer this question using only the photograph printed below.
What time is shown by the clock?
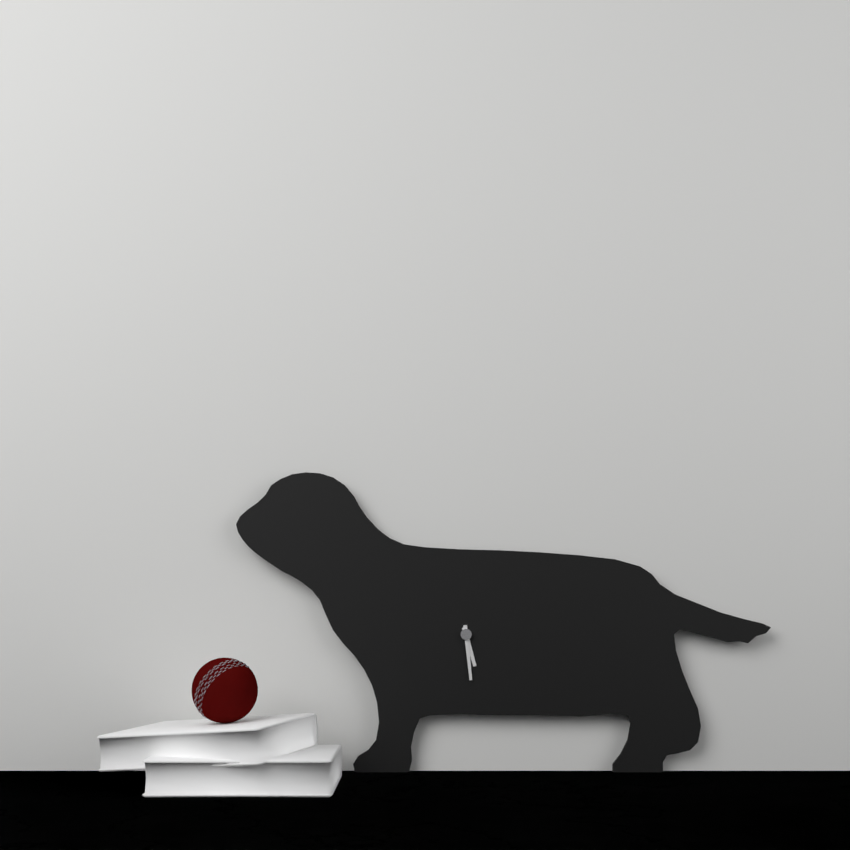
5:29
